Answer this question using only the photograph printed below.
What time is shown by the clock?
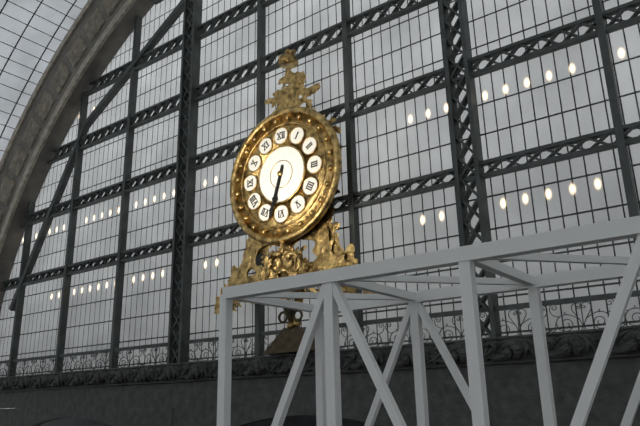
6:33
